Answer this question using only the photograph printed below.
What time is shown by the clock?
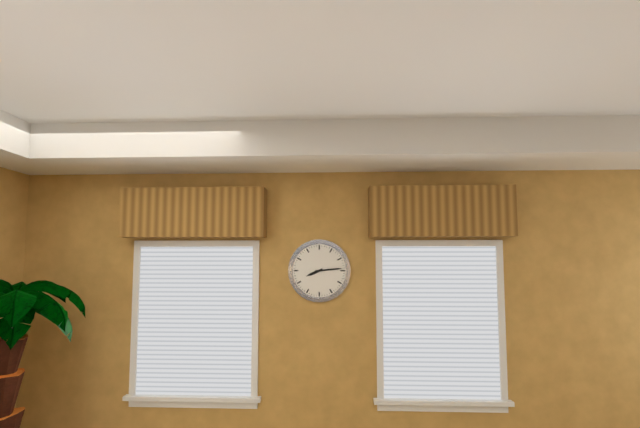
8:14
